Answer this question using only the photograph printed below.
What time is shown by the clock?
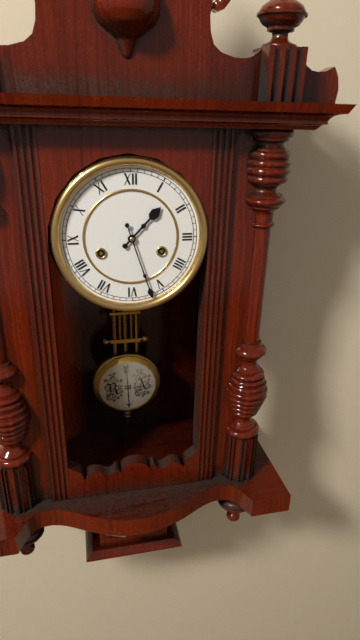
1:27
